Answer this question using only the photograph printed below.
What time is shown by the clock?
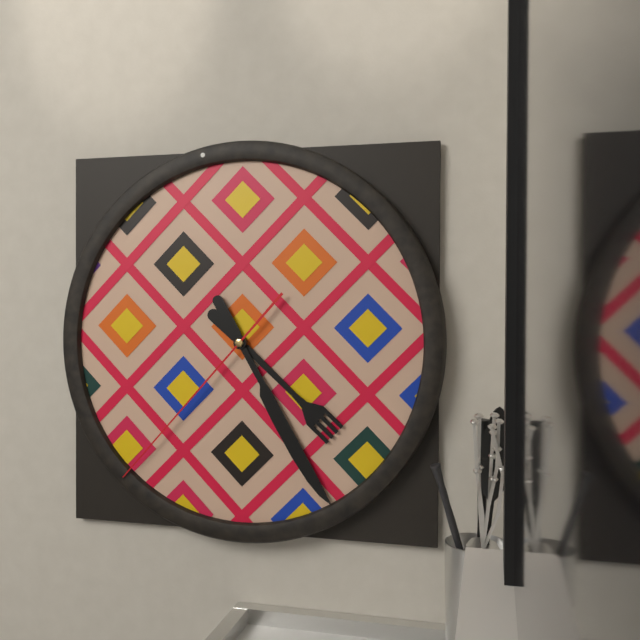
4:25:37
